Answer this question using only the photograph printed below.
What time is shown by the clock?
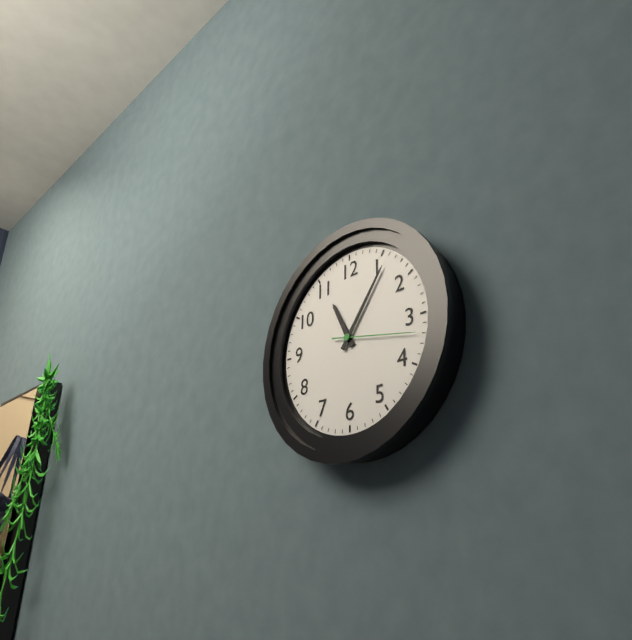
11:06:17
